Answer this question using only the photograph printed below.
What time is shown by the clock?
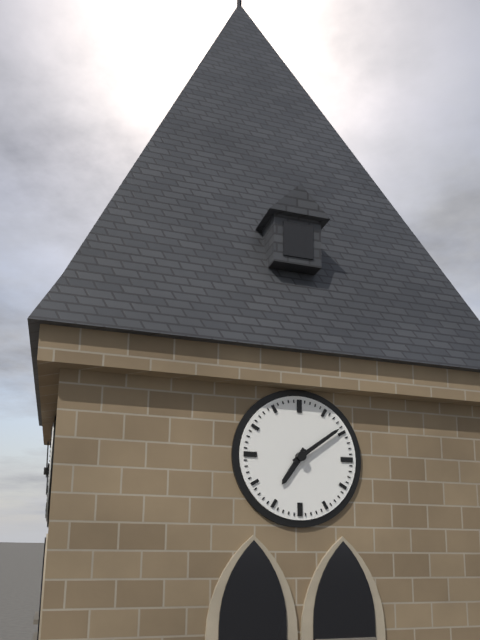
7:09
